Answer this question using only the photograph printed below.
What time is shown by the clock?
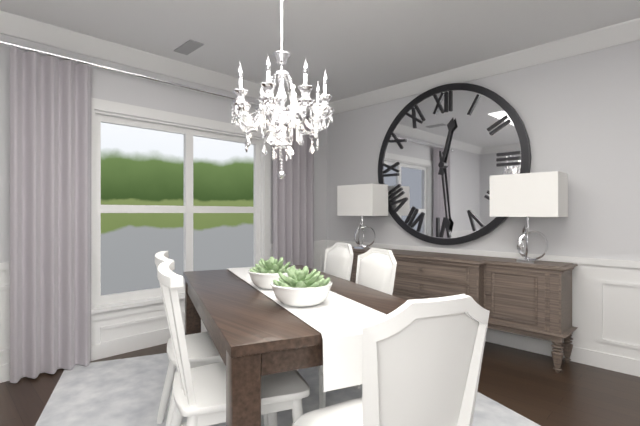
12:29
